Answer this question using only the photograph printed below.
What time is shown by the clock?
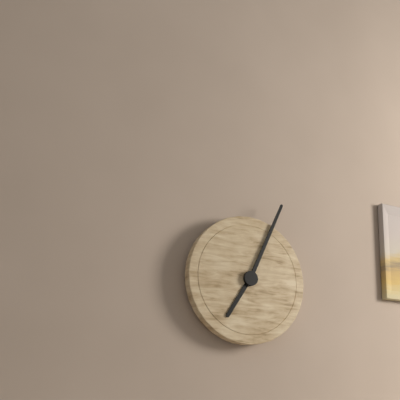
7:04
